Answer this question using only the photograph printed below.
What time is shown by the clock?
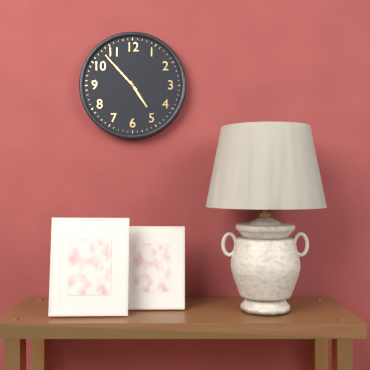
4:53
